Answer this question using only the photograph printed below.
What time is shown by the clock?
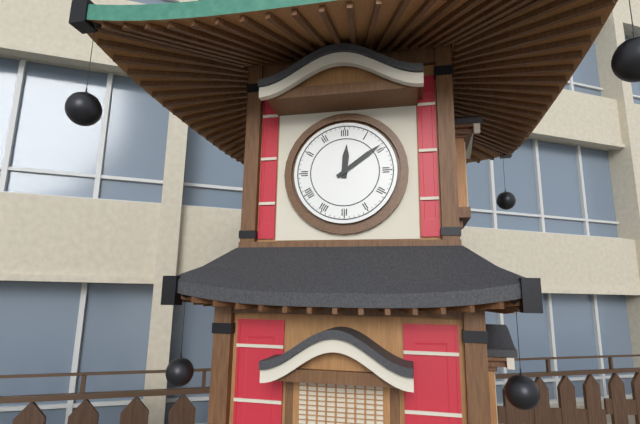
12:09
